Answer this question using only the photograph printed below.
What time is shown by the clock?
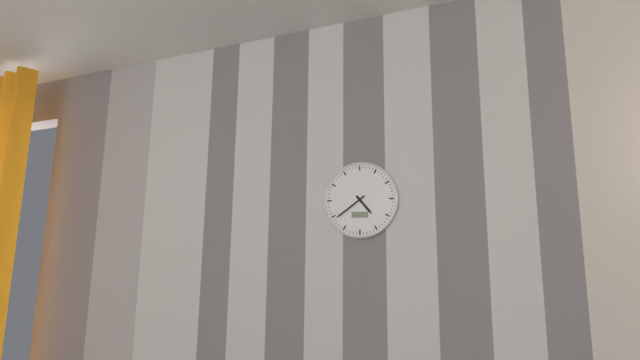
4:39
